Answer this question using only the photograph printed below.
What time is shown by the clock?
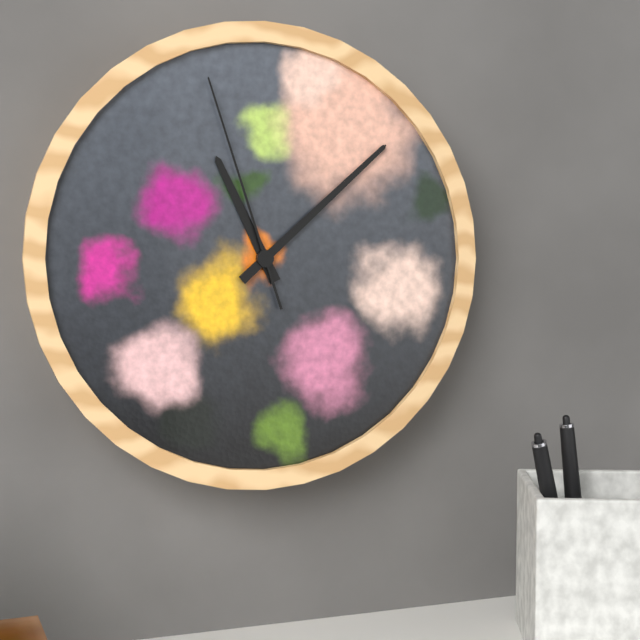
11:08:57
